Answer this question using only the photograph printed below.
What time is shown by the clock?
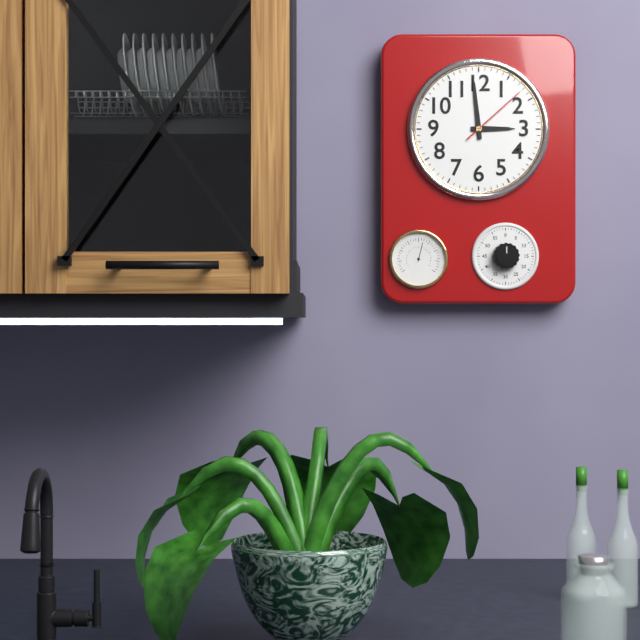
2:59:08
